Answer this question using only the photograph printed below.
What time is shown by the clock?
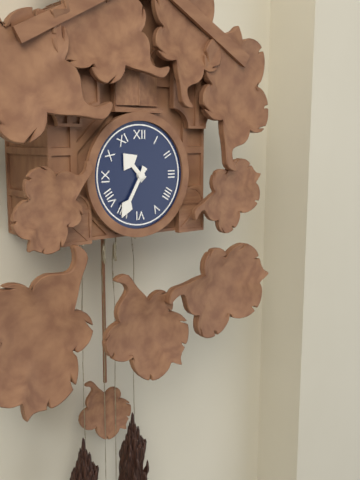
10:35
